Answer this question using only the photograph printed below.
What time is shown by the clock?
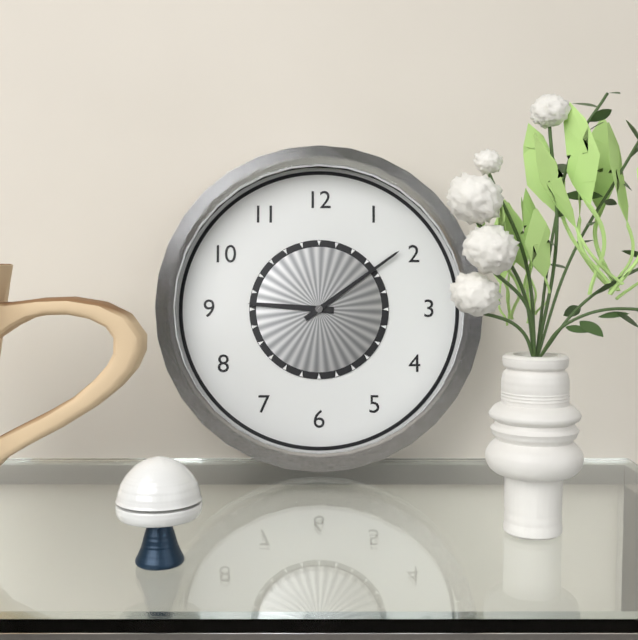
9:09
